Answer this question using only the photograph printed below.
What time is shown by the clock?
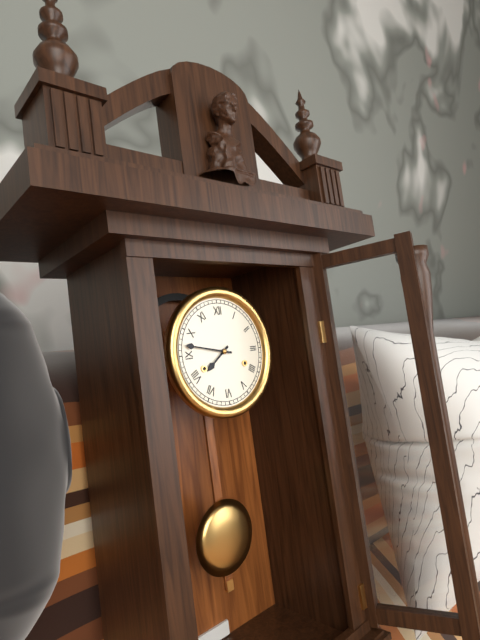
7:47
